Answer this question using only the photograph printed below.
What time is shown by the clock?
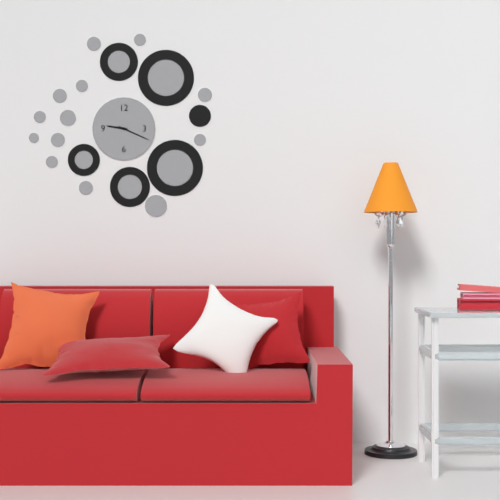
9:19
